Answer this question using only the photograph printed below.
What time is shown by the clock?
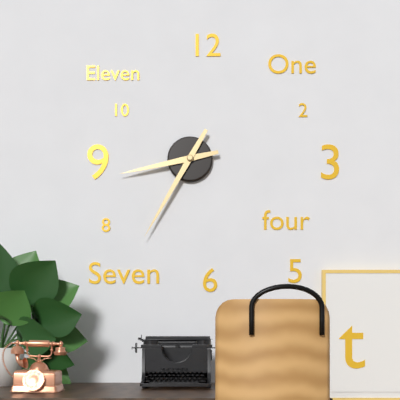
8:35
